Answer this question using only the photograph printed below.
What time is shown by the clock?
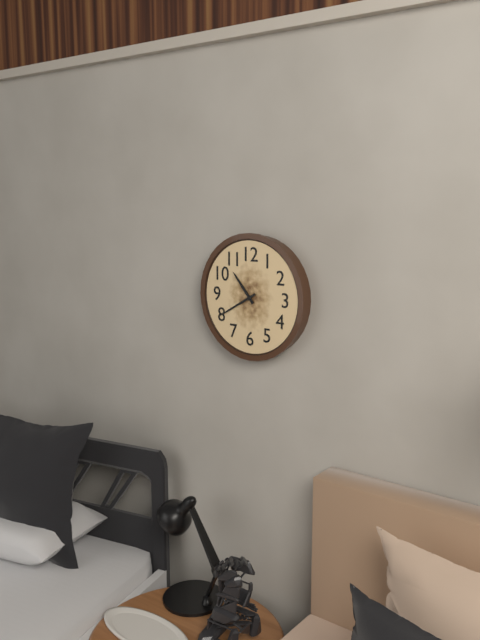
10:40
